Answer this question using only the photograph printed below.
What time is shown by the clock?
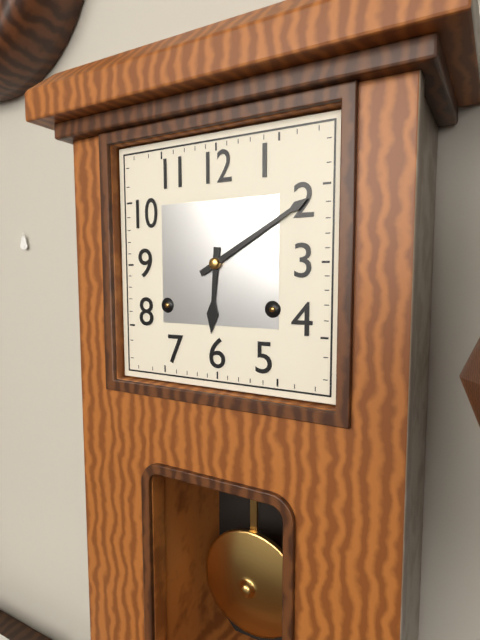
6:10
